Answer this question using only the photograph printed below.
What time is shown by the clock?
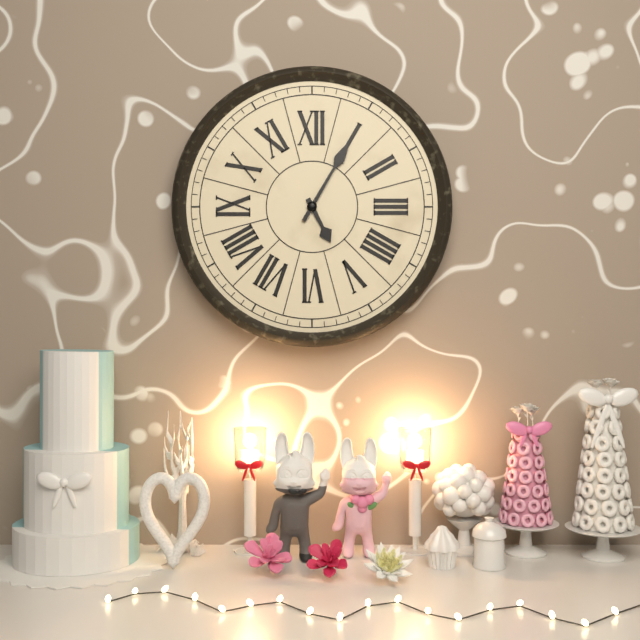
5:05
